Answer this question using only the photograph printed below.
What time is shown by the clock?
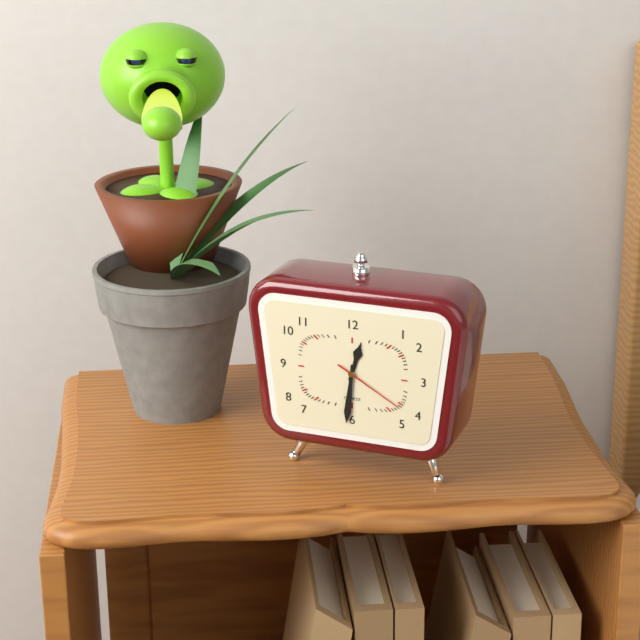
12:31:20
